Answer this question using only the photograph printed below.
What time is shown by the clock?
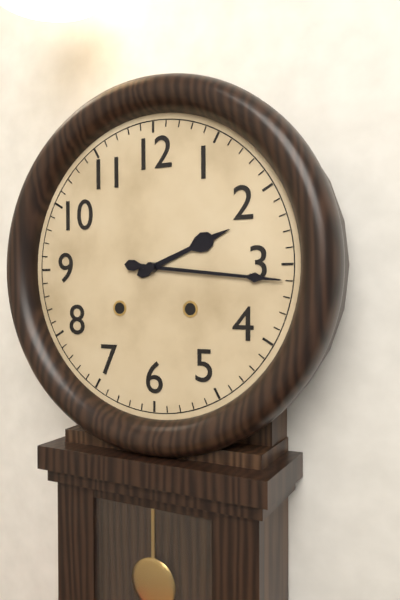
2:16
